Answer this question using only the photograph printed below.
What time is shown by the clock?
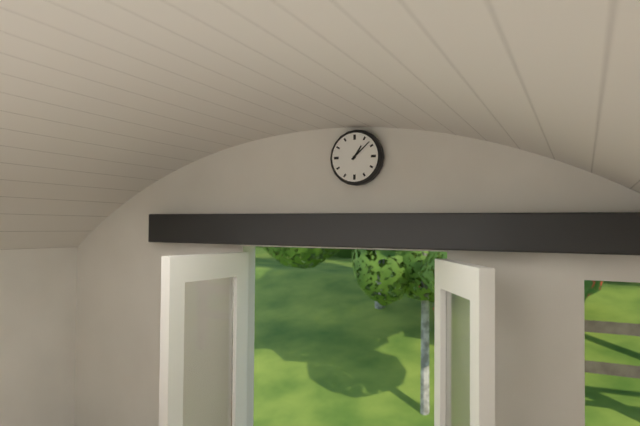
1:08
